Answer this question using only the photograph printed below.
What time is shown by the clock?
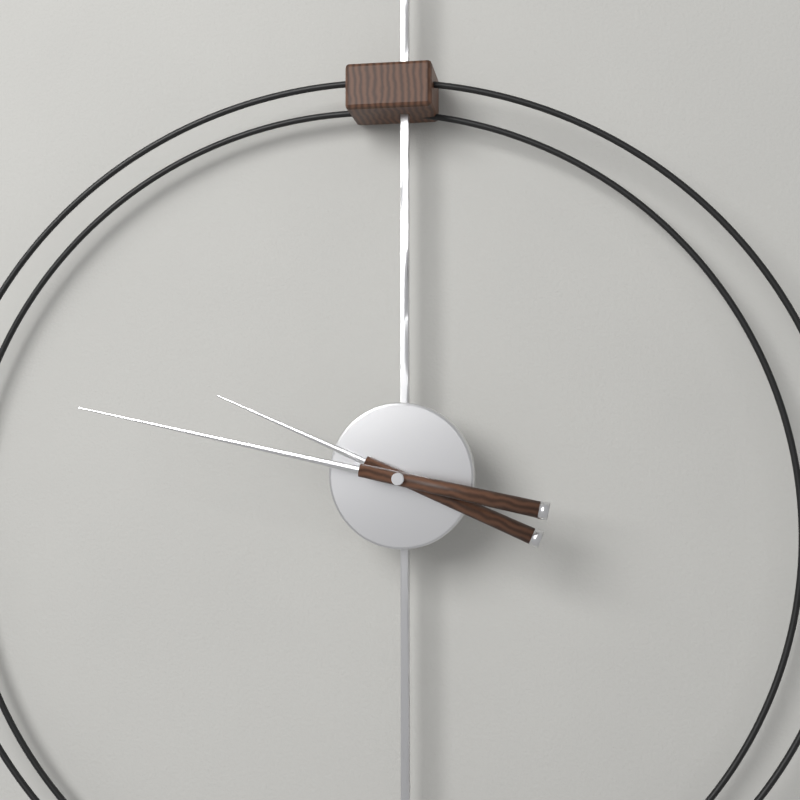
9:47
